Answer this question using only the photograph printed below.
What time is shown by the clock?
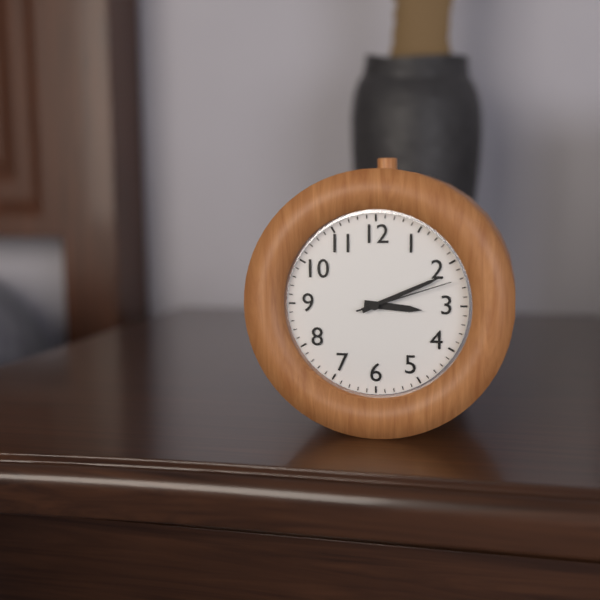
3:11:12
